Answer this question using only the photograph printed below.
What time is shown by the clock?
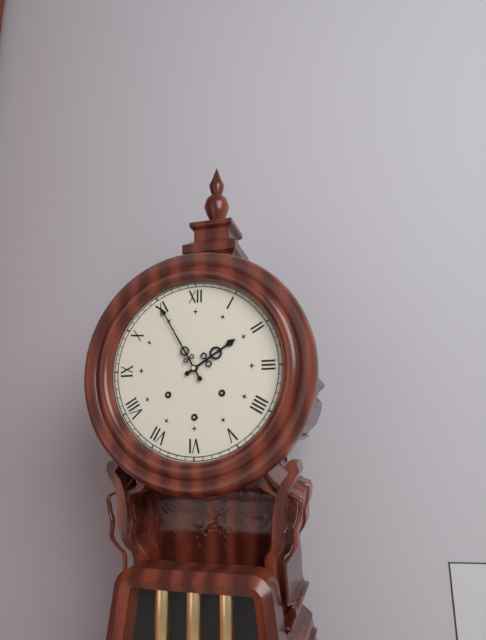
1:55
